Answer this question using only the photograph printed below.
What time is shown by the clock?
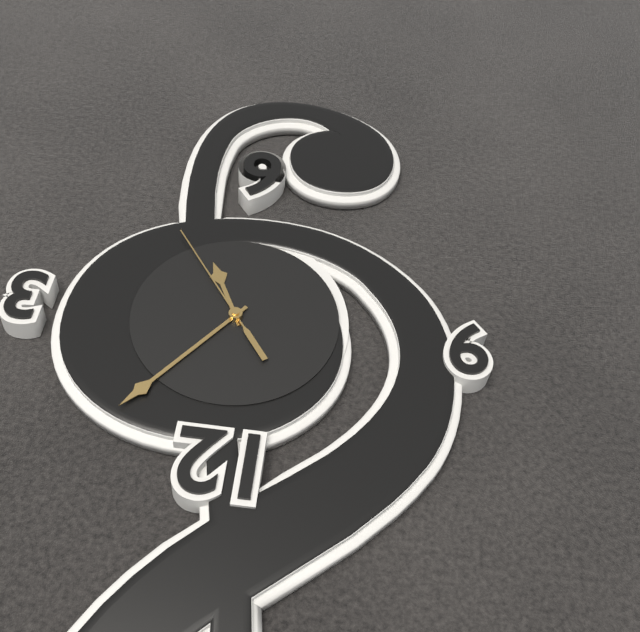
5:06:24
